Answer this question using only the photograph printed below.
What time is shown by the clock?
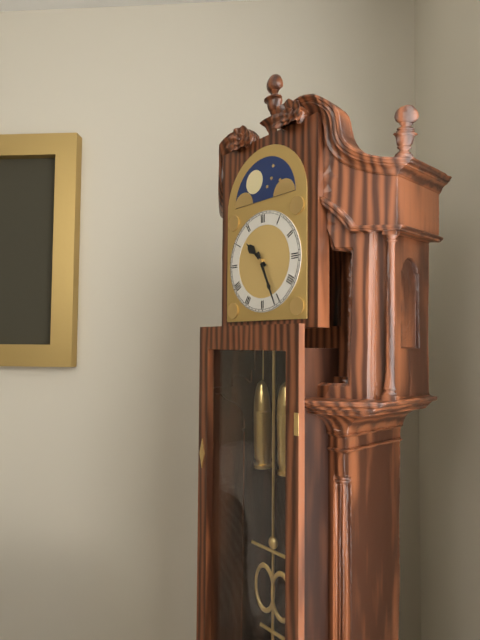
10:26
